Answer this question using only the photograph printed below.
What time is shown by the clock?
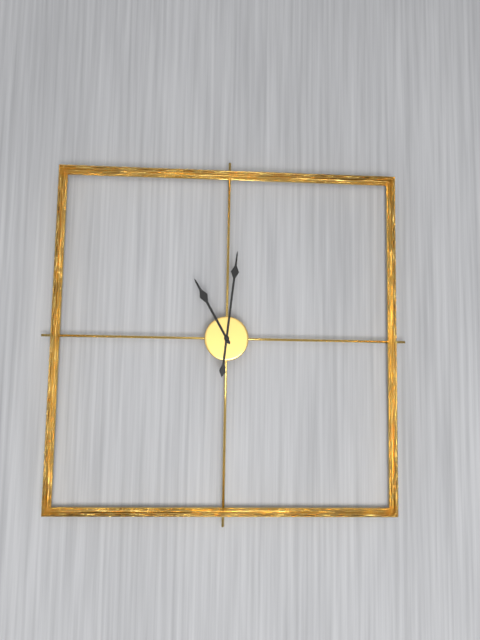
11:01
